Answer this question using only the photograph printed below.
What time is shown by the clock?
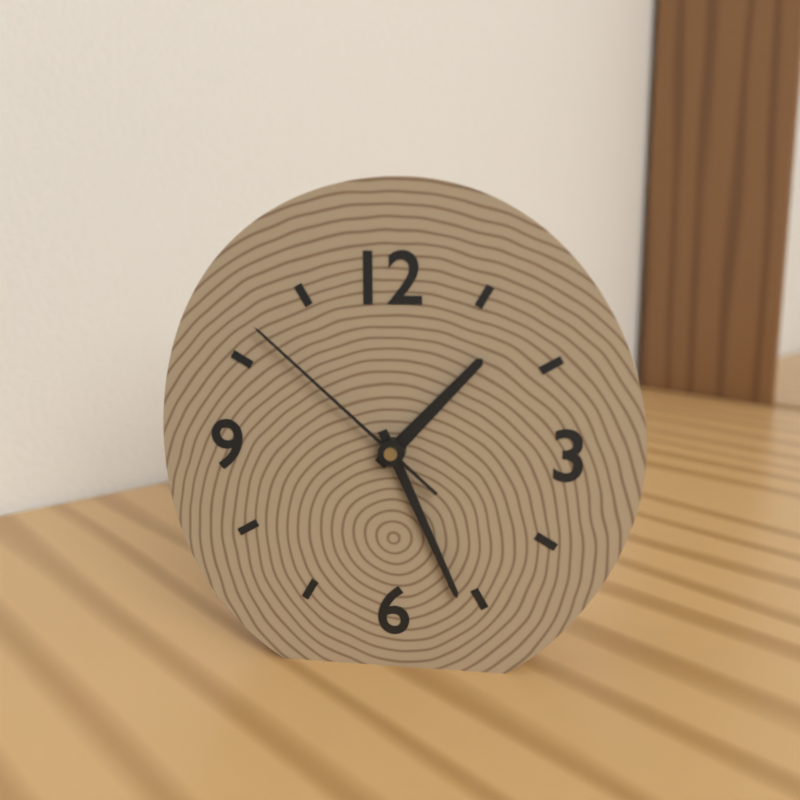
1:26:52
